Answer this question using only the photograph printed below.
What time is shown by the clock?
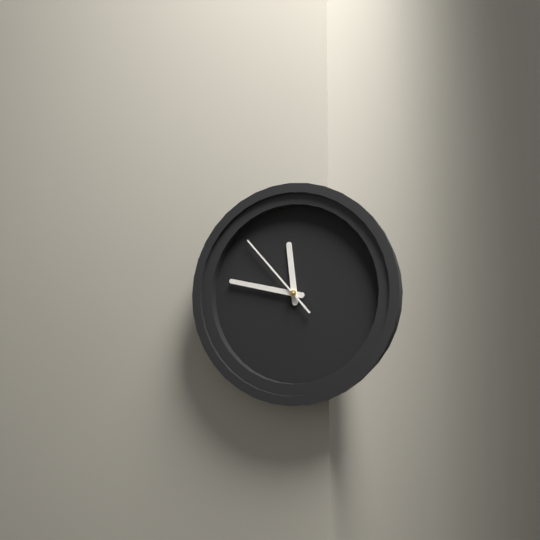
11:47:53
